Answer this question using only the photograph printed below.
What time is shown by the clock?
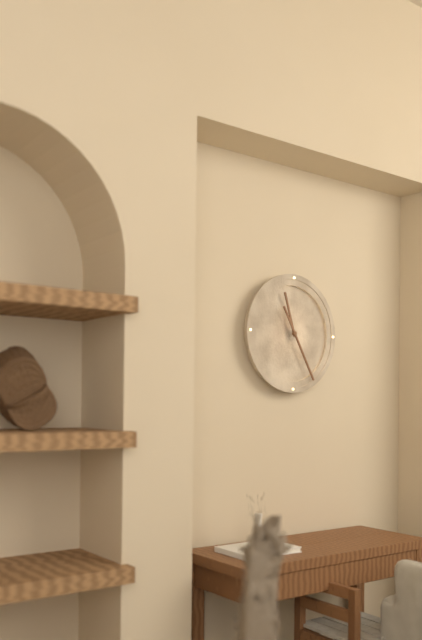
11:25
